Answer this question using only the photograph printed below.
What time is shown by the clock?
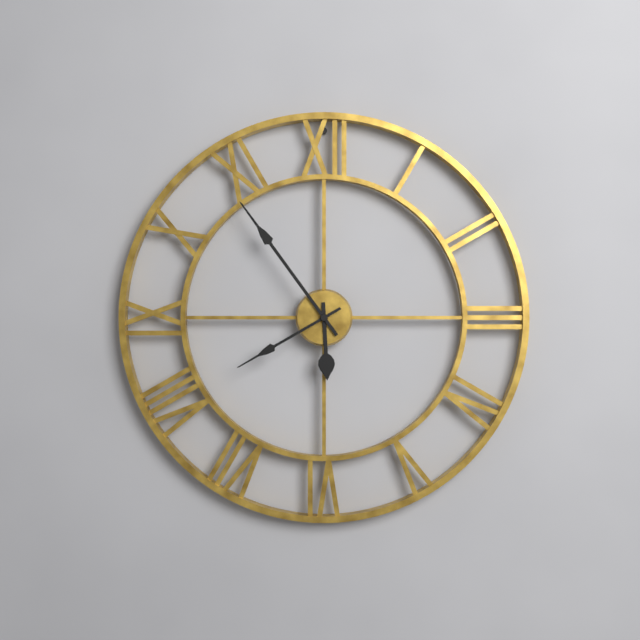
5:54:40
